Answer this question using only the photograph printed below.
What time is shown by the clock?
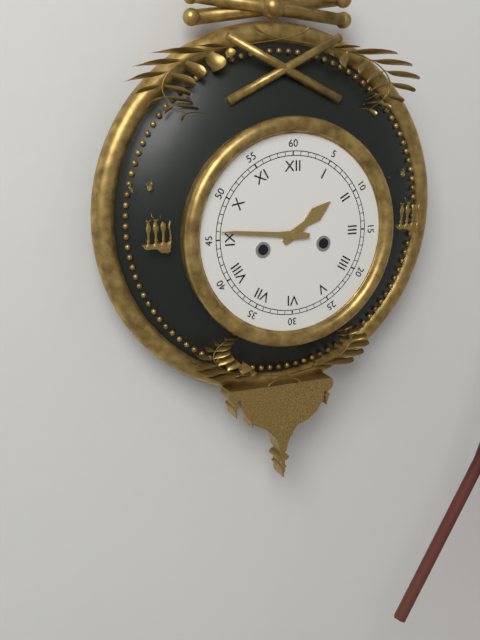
1:46
